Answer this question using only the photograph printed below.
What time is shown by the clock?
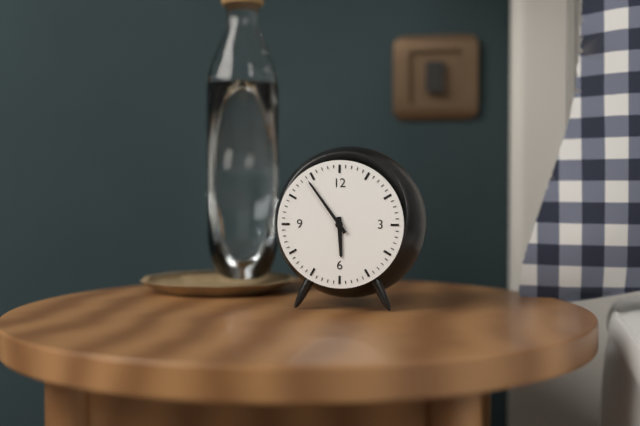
5:54
